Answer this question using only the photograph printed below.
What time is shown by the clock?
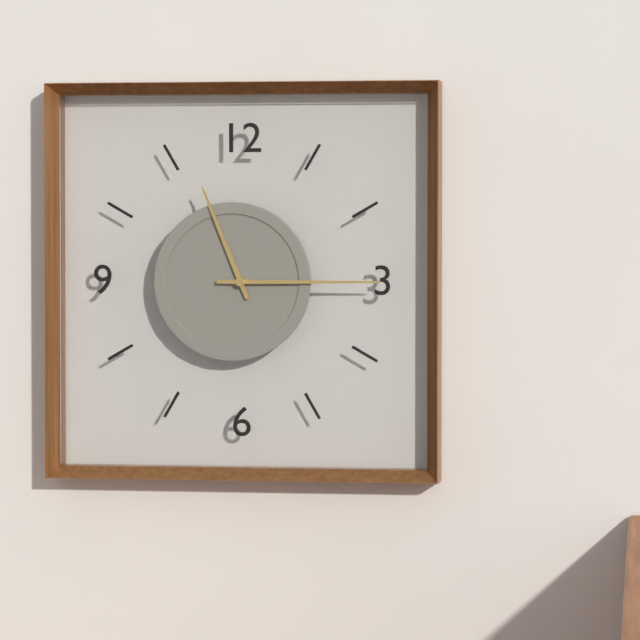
11:15
